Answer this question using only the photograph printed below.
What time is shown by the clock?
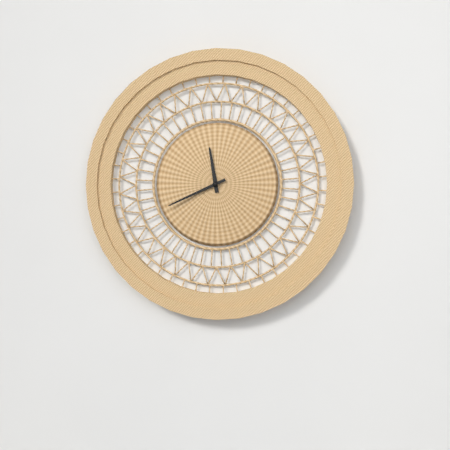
11:41
